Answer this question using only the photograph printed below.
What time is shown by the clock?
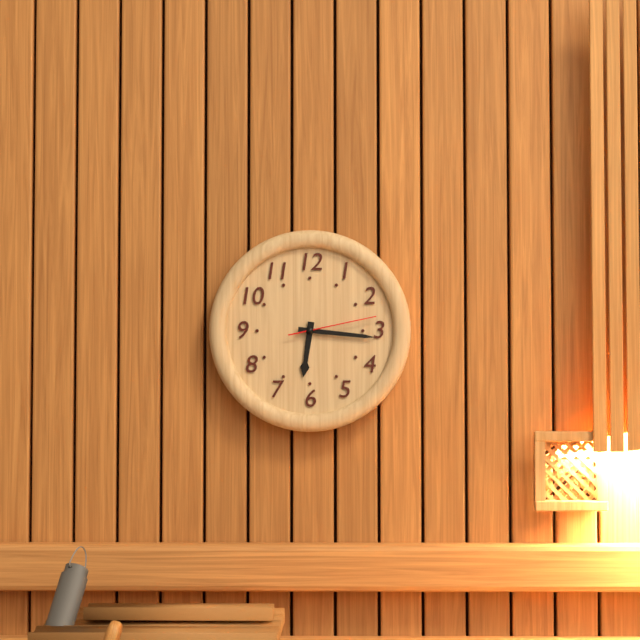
6:16:13
